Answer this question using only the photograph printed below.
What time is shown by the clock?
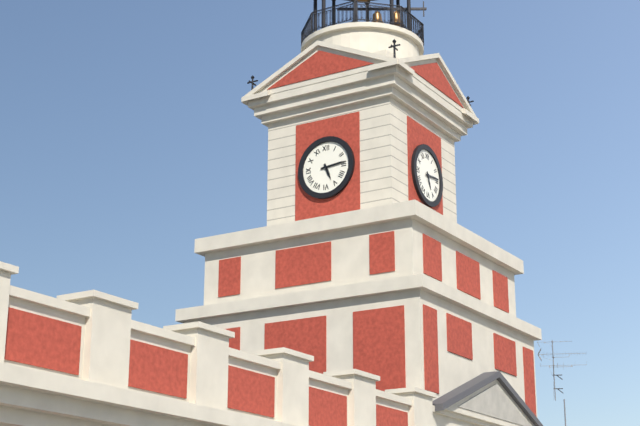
5:14
